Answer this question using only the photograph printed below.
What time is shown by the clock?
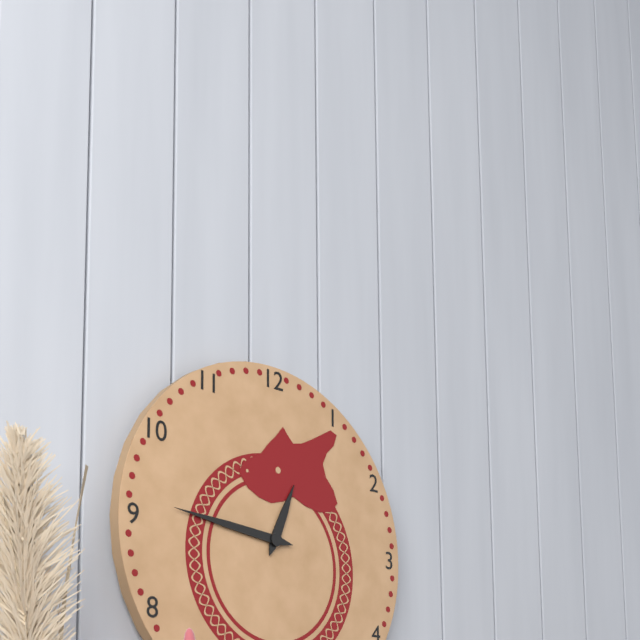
12:46
